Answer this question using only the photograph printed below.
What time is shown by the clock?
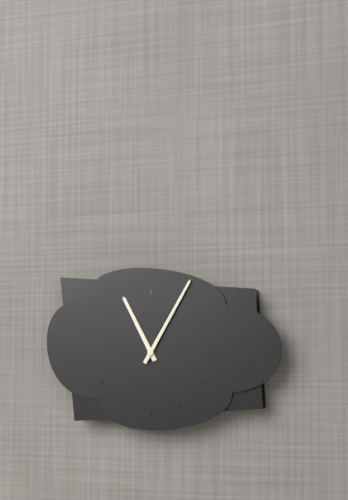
11:05
